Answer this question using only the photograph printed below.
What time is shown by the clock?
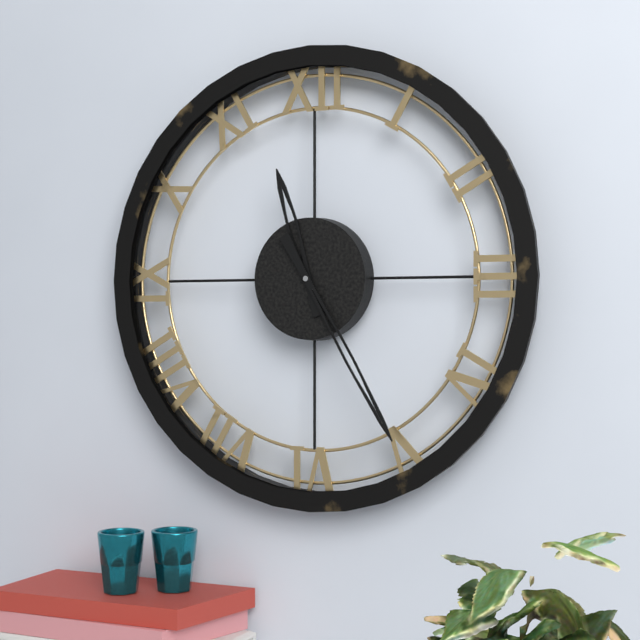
11:25
